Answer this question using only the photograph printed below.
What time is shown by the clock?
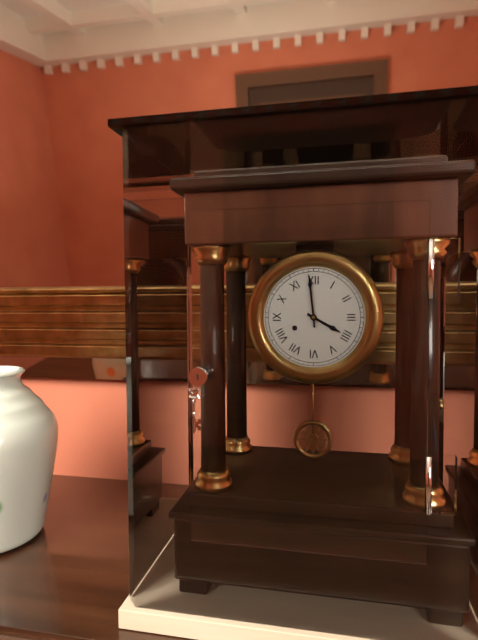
3:59
